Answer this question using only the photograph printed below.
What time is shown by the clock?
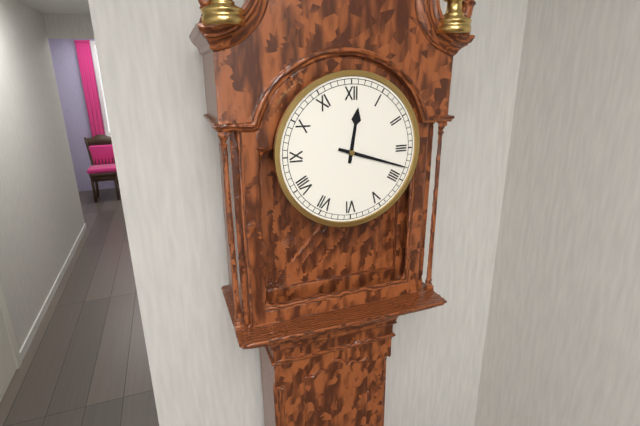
12:18
